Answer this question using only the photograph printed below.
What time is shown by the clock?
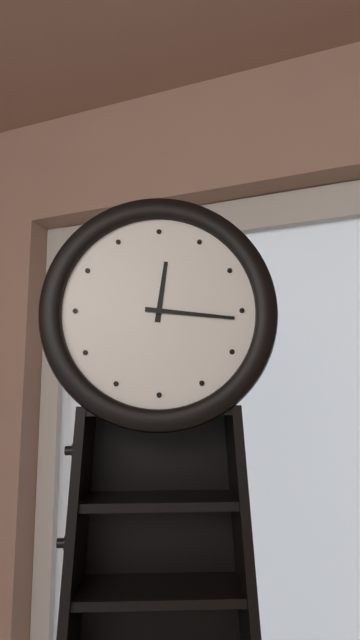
12:16
